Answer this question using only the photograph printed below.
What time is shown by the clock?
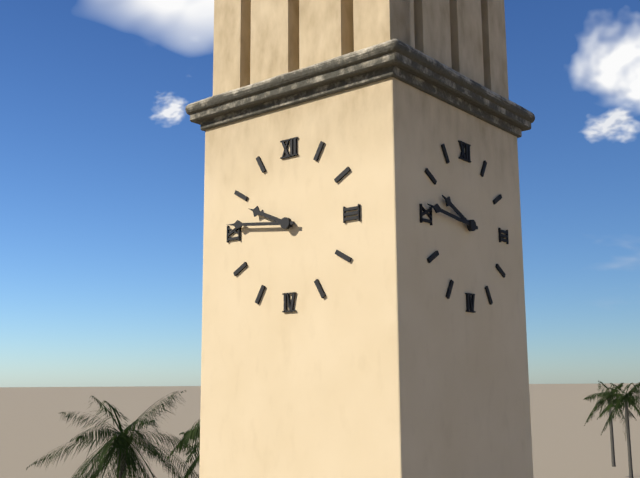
9:46
